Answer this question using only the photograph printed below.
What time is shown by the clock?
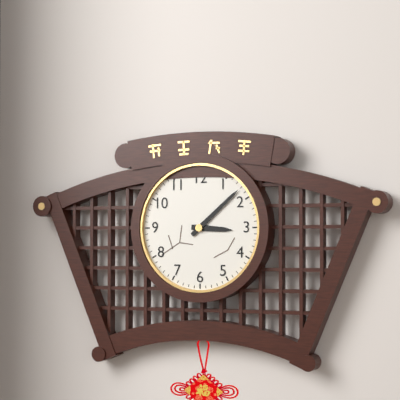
3:08
